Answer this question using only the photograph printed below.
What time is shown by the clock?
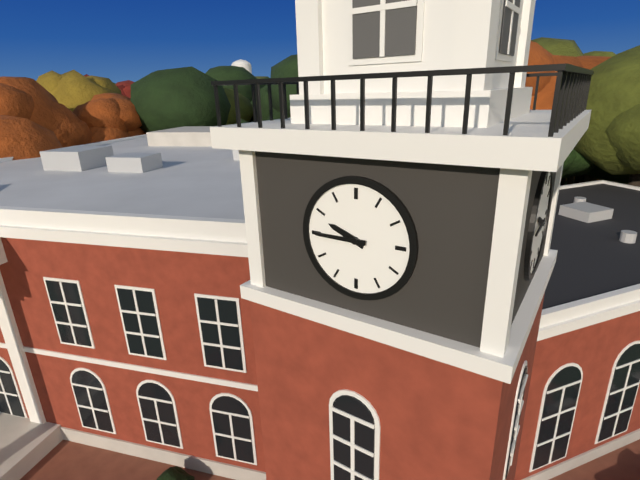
9:45
